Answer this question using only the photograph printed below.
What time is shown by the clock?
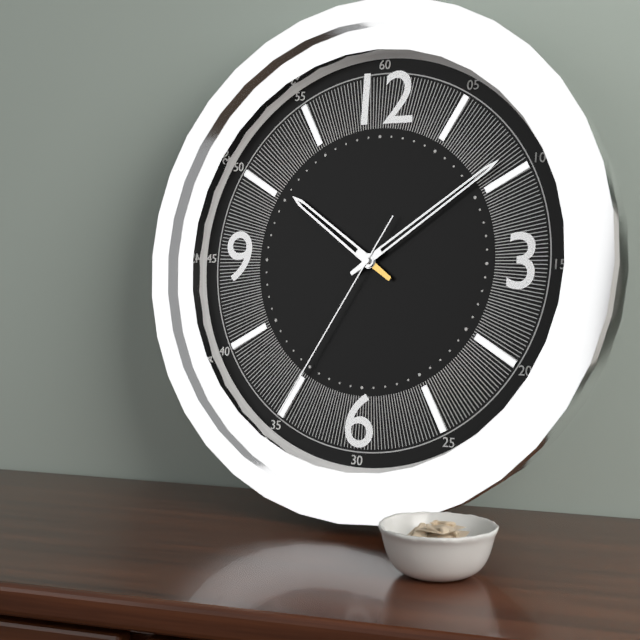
10:09:35
